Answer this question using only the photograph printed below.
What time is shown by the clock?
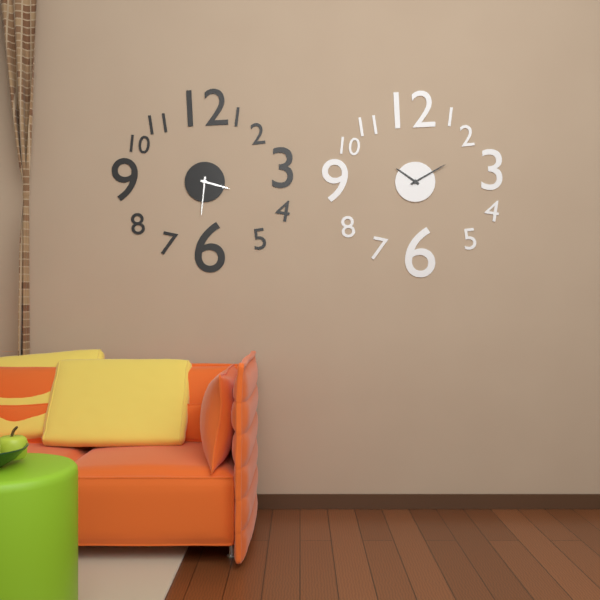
3:31
